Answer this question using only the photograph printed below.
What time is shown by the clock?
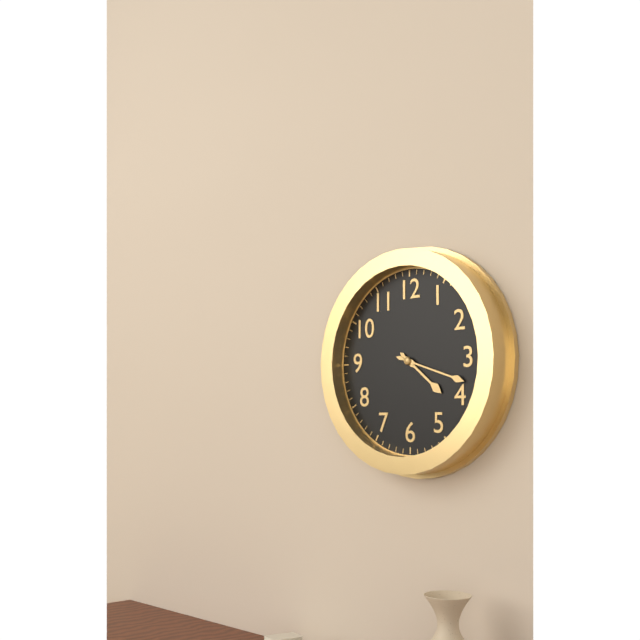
4:18
